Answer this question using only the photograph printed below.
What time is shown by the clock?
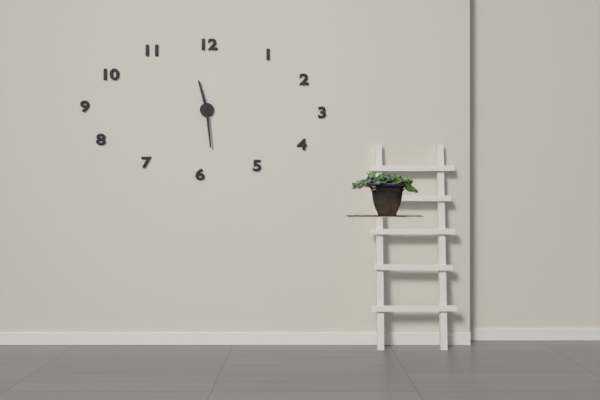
11:29
